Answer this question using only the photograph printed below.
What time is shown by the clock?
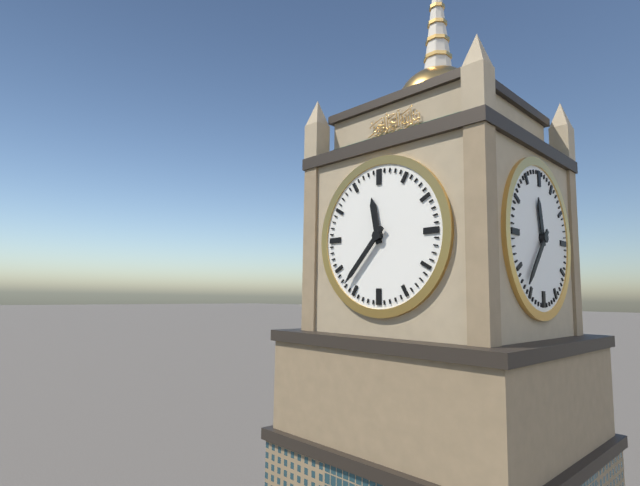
11:37
